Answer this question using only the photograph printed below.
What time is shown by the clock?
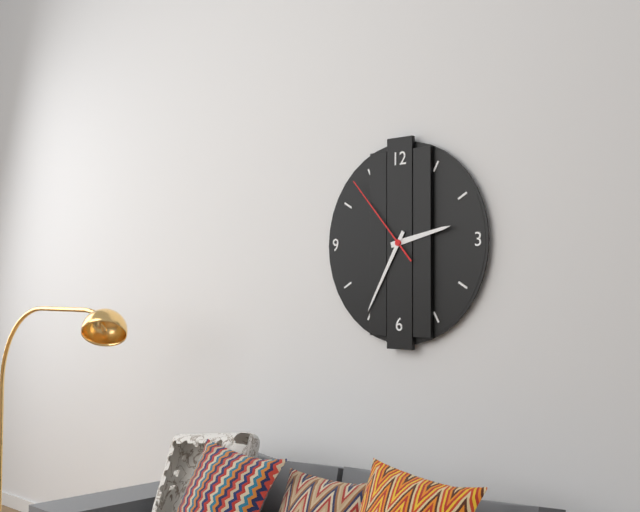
2:35:53
